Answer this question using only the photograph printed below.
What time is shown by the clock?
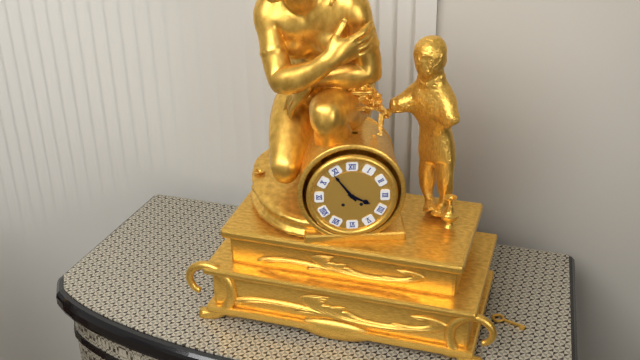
3:54
